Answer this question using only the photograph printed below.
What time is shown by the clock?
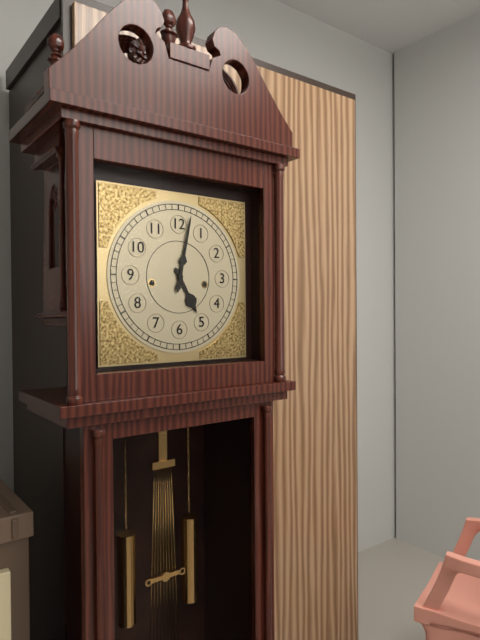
5:02
